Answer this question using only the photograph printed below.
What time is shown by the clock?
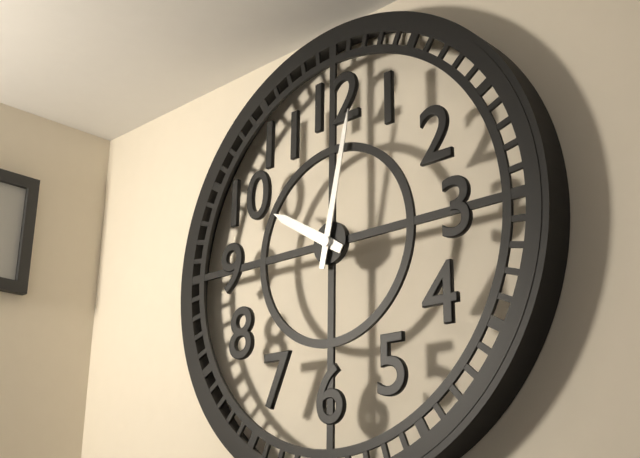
10:02
